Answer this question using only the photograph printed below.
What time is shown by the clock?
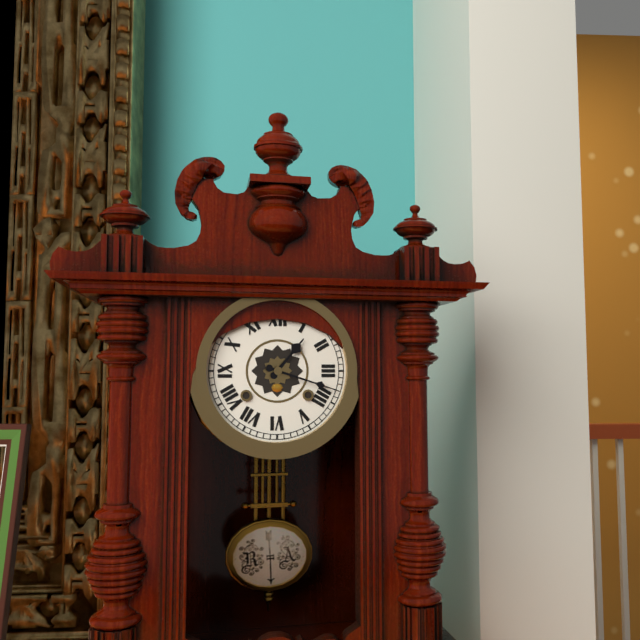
1:18
